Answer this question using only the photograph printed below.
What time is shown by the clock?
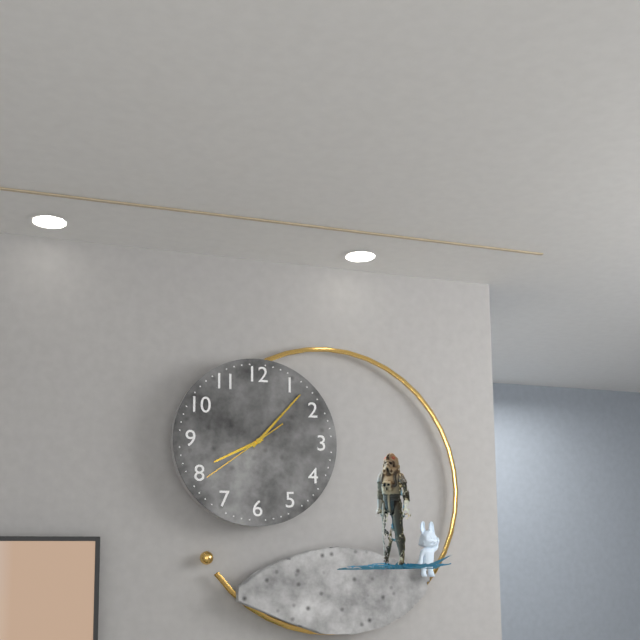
8:07:39
